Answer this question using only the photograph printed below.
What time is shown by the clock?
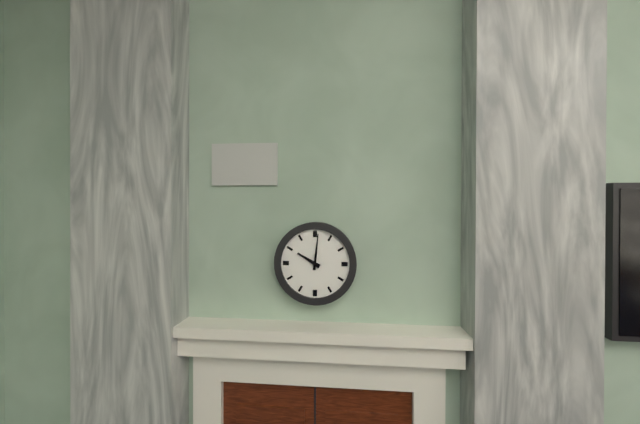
10:01
